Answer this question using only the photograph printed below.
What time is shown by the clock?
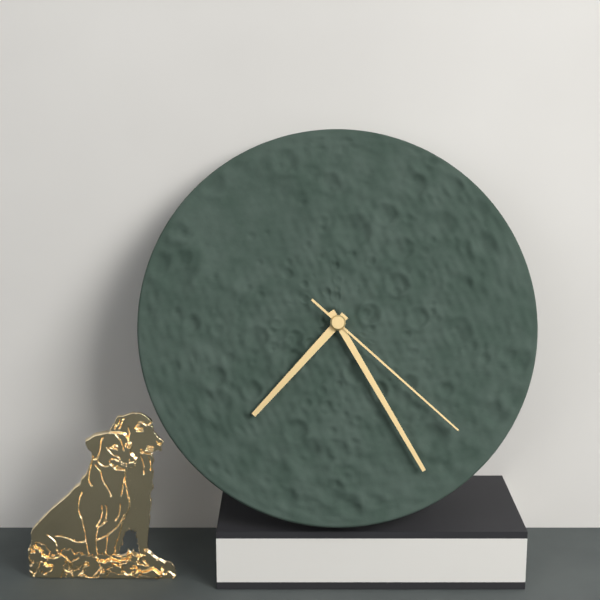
7:25:22
